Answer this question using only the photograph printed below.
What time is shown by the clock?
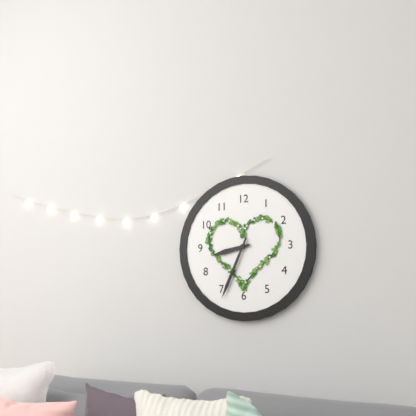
8:34
